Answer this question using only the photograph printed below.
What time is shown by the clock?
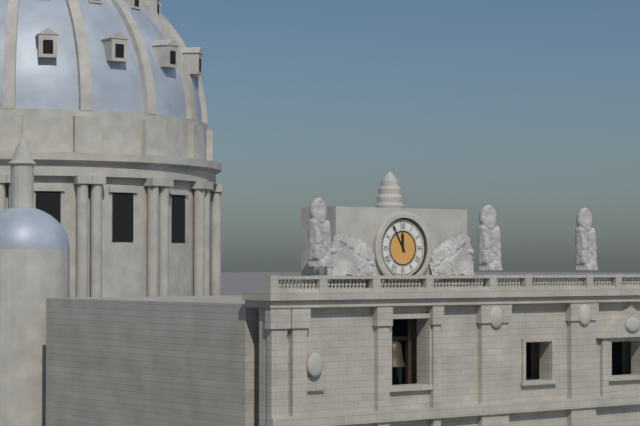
11:55
